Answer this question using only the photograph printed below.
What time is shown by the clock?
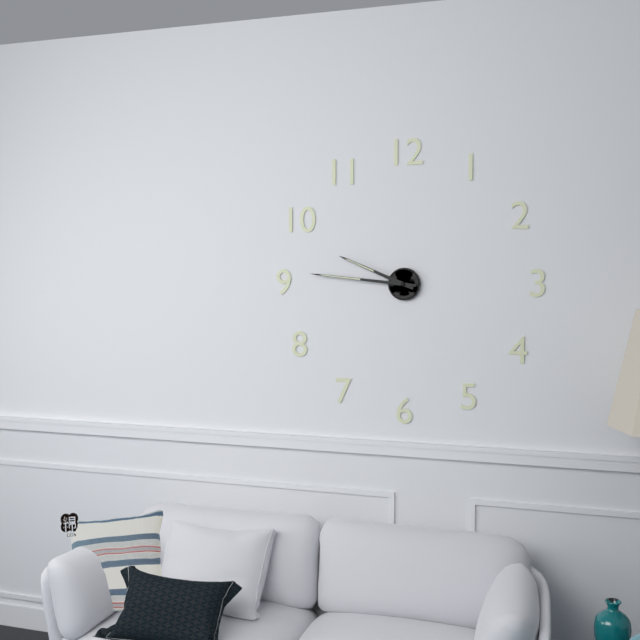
9:46
